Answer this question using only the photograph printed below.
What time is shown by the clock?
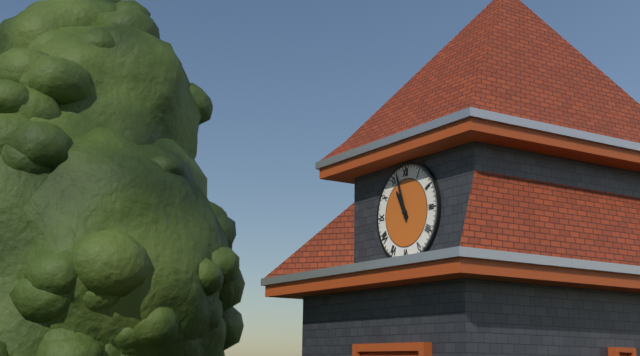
10:57
